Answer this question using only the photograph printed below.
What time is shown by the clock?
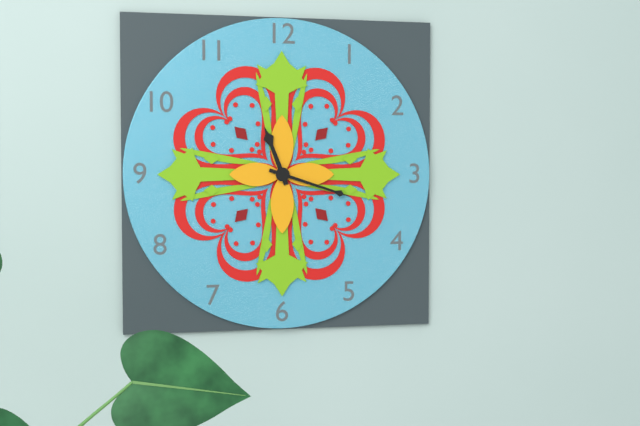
11:18
